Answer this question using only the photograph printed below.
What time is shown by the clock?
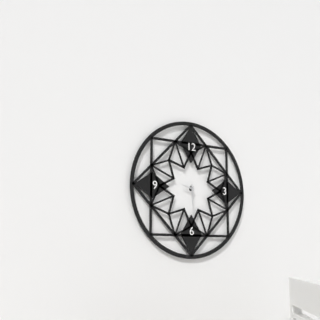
9:30
